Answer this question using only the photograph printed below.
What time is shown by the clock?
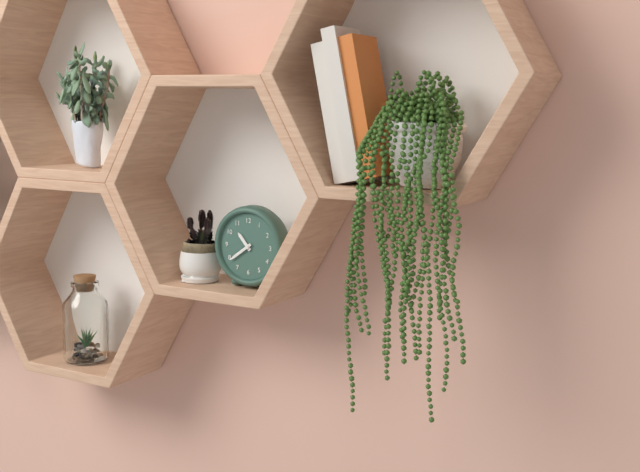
10:39
